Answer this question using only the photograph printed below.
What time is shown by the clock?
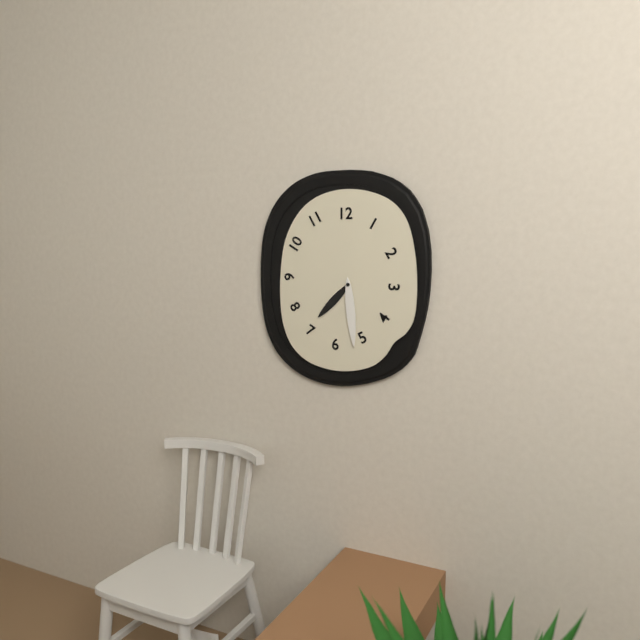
7:29
